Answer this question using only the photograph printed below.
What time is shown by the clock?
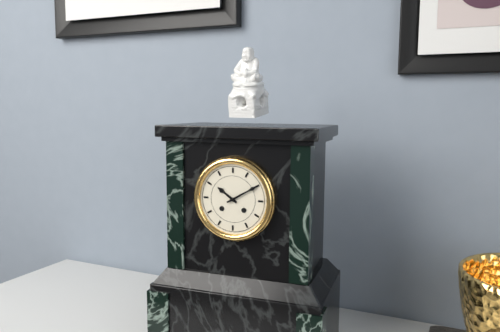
10:10
